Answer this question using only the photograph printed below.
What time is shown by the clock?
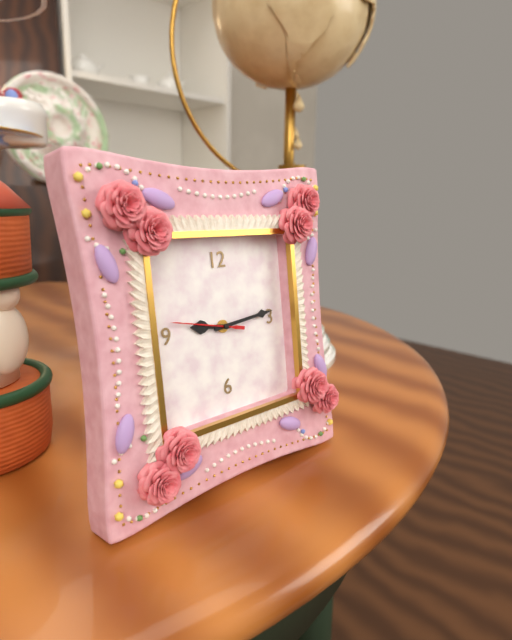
9:14:47
